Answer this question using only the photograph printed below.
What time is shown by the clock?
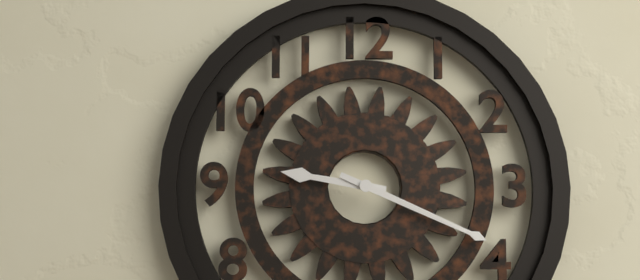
9:19
